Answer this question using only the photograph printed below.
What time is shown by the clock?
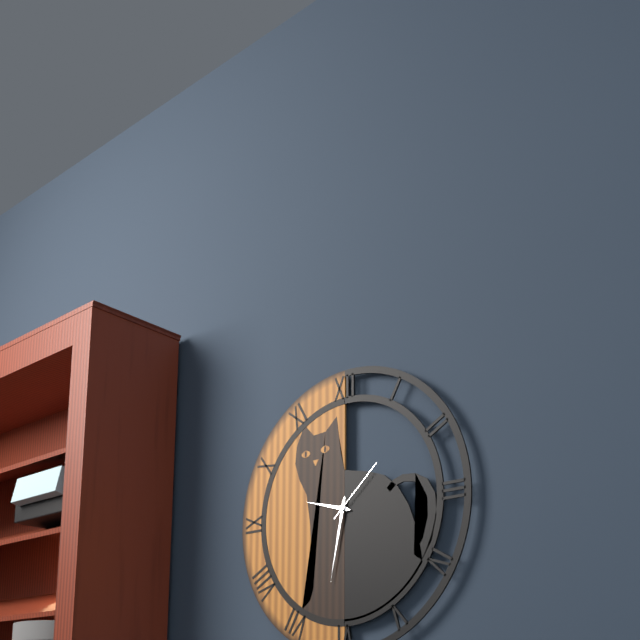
9:32:08
